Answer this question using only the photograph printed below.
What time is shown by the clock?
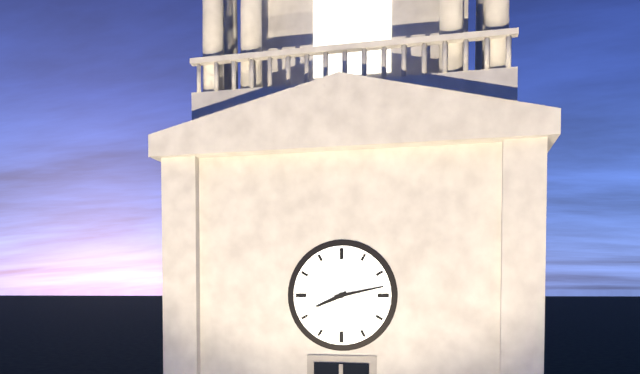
8:13
